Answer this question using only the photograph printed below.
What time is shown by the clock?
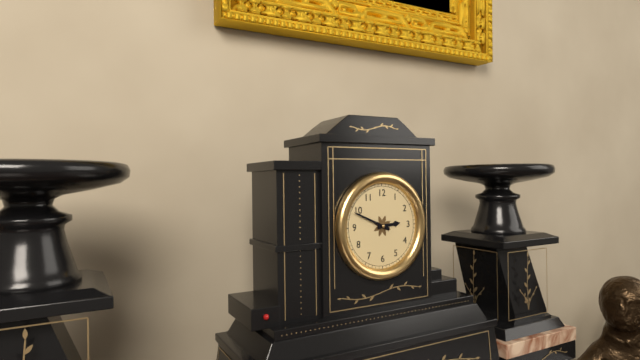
2:49
